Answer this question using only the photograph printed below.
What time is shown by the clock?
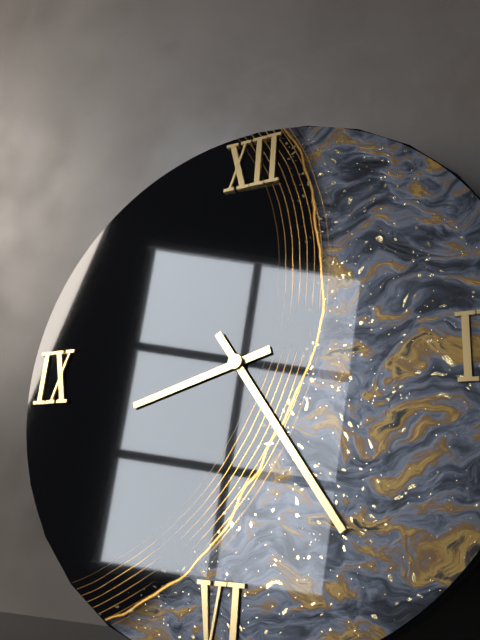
8:24
